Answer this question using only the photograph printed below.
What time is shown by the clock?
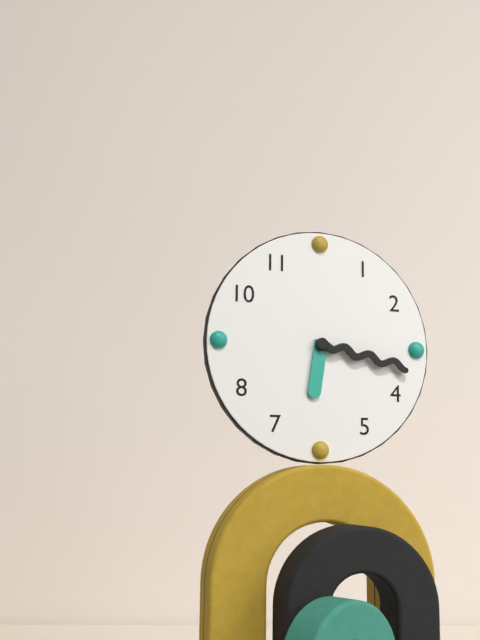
6:17
